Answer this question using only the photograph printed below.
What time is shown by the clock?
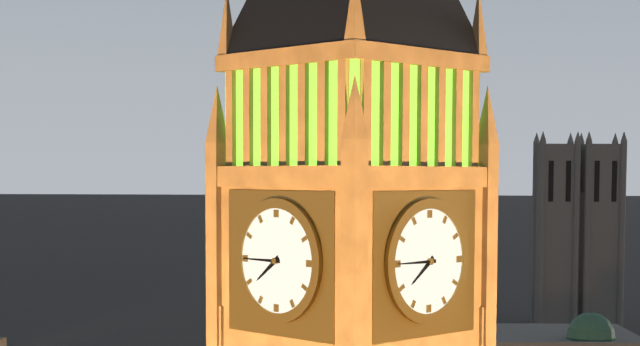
7:45
